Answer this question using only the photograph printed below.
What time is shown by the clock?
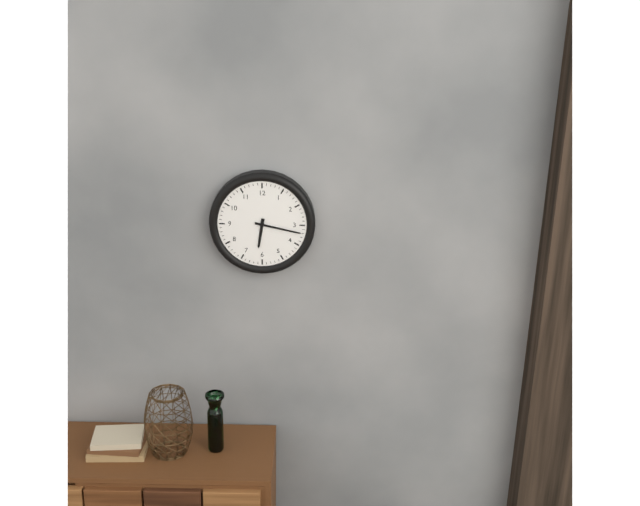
6:17
